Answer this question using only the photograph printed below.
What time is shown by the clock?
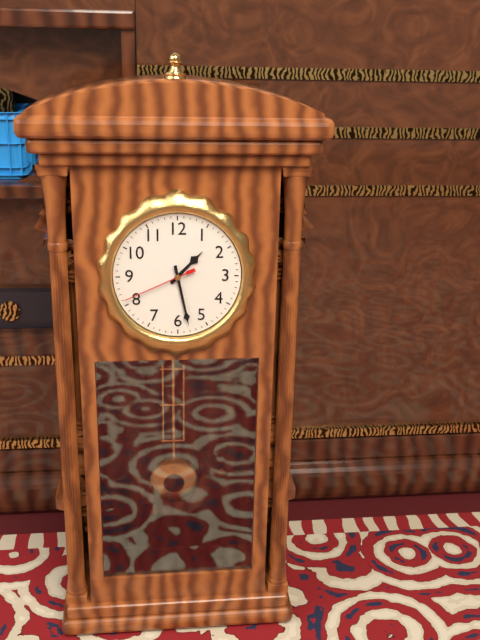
1:28:41
